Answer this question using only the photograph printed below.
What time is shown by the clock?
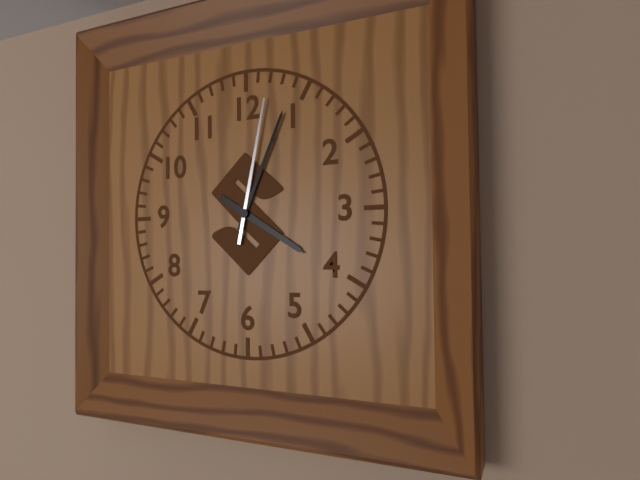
4:04:02
